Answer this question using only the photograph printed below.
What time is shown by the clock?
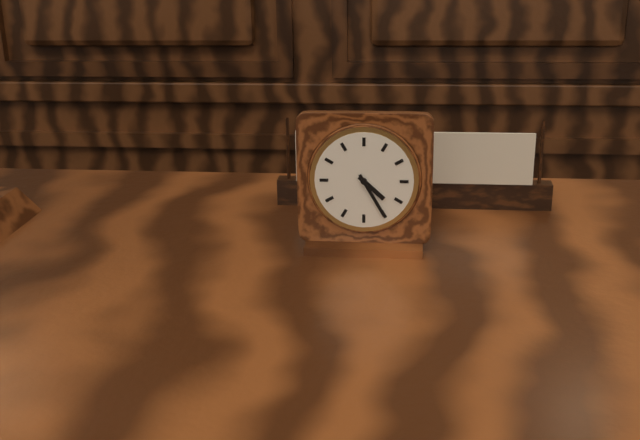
4:25
